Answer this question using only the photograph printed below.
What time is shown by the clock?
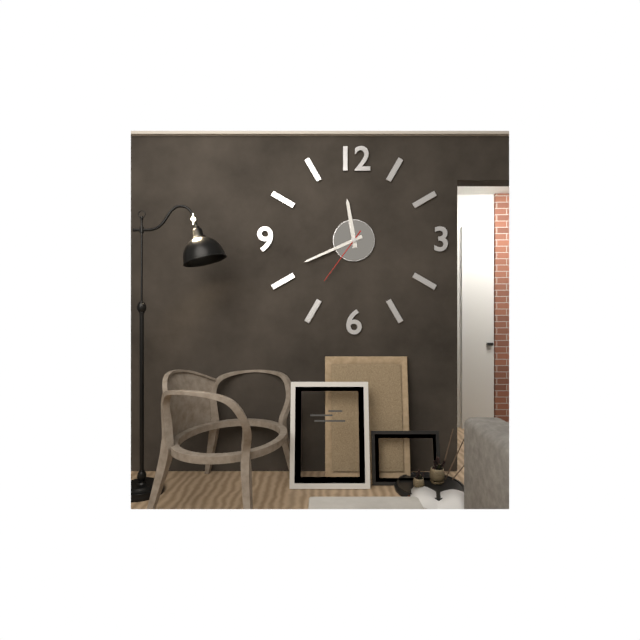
11:41:36
